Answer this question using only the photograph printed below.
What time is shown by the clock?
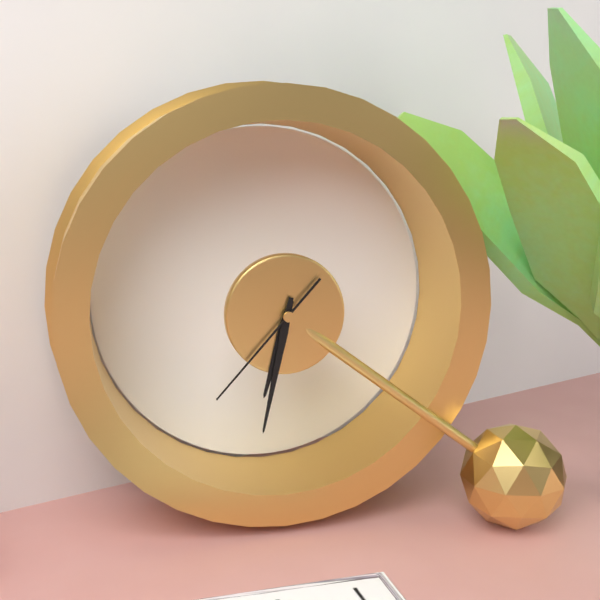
6:32:37
